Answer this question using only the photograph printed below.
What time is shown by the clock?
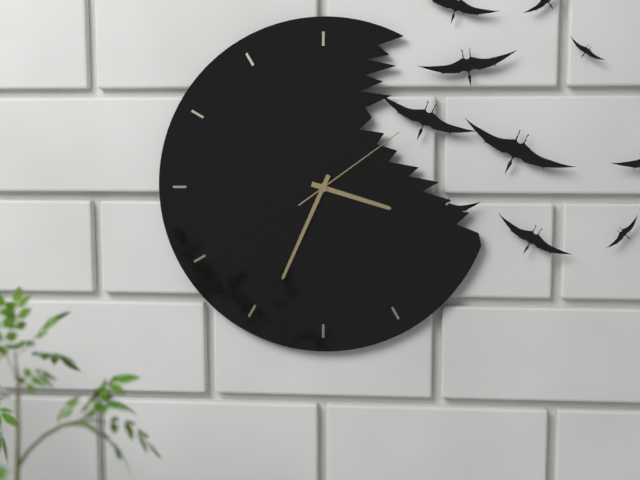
3:34:09
